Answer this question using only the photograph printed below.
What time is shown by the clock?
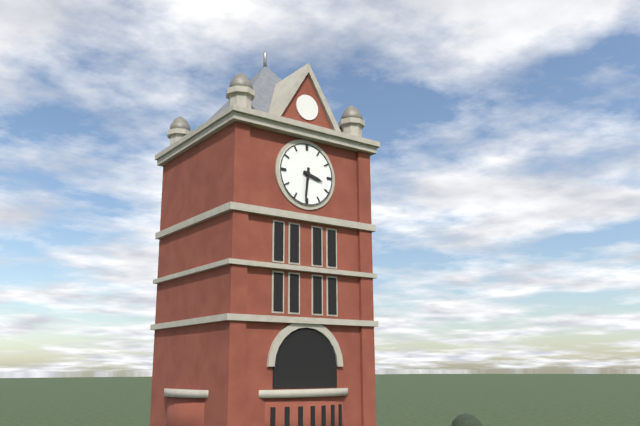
3:31
